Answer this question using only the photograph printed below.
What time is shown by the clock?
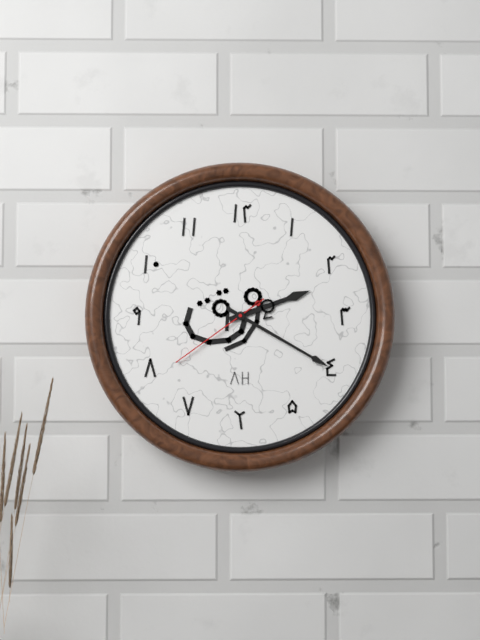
2:20:39
